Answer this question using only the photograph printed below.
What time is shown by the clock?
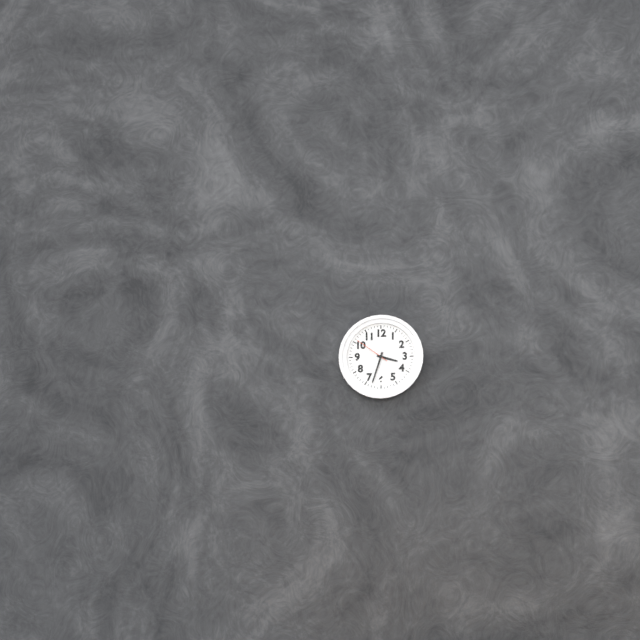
3:33
